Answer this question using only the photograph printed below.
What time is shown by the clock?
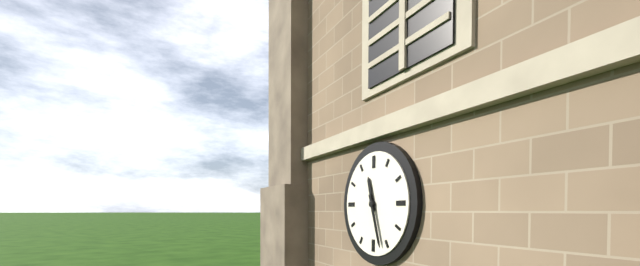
11:27
